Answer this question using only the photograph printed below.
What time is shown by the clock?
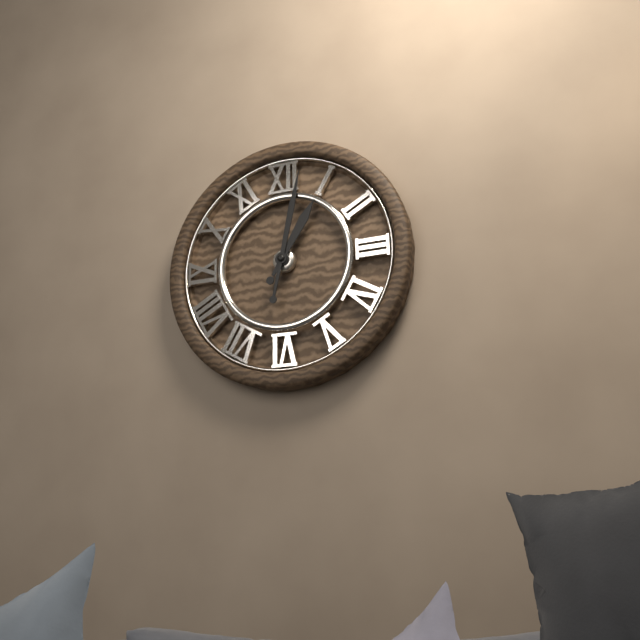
1:02
